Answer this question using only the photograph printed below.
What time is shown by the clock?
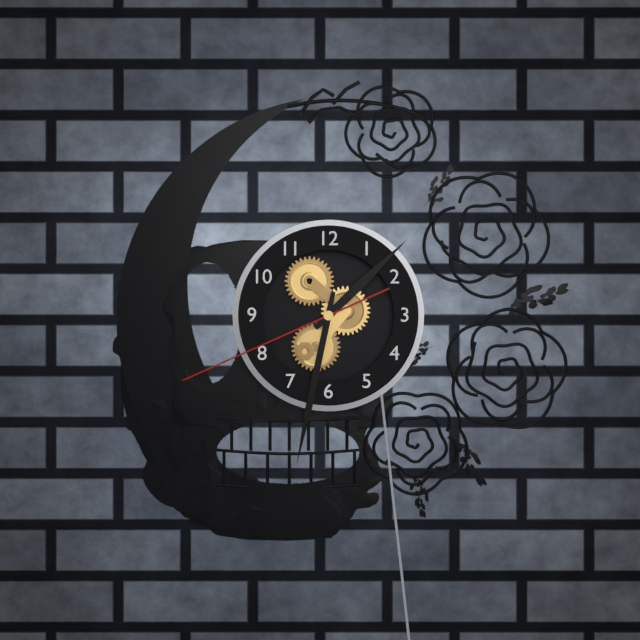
1:32:41
